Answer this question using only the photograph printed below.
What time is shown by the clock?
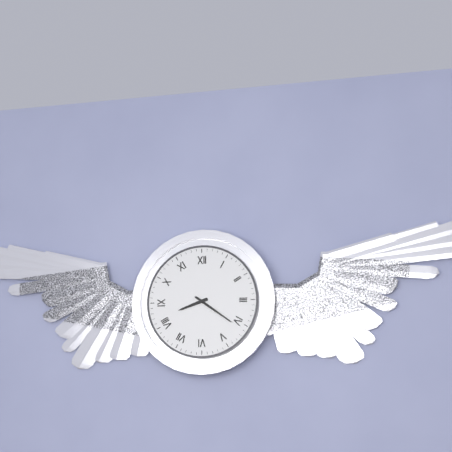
8:21
